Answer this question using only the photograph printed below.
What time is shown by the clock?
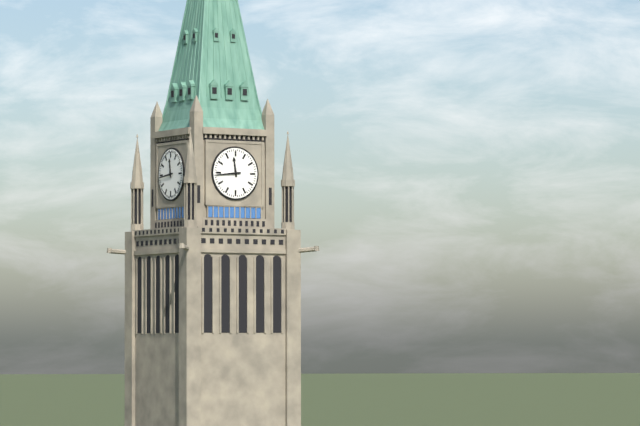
11:44
